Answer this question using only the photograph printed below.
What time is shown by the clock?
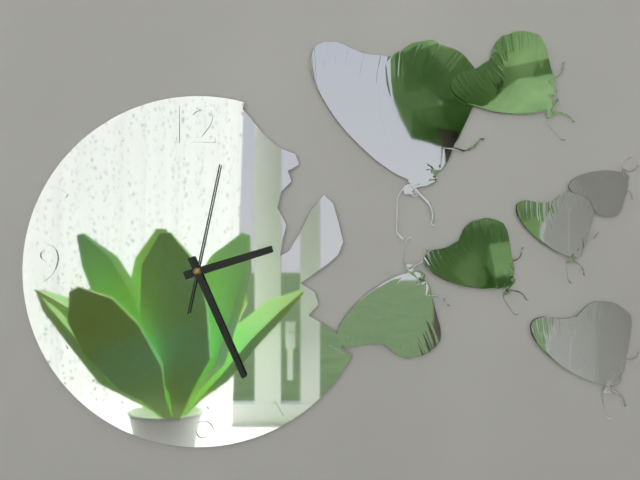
2:26:02
